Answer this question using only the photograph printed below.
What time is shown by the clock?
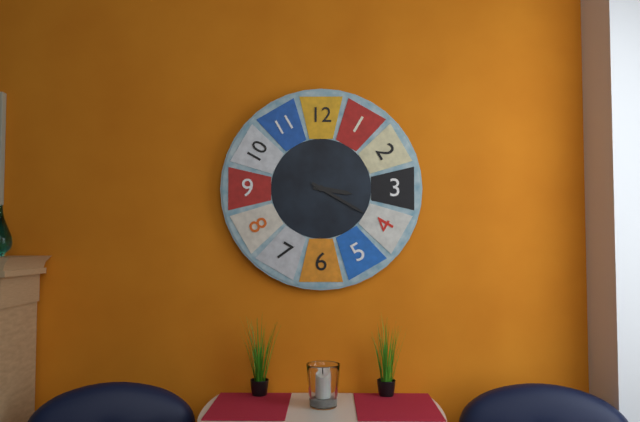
3:20
